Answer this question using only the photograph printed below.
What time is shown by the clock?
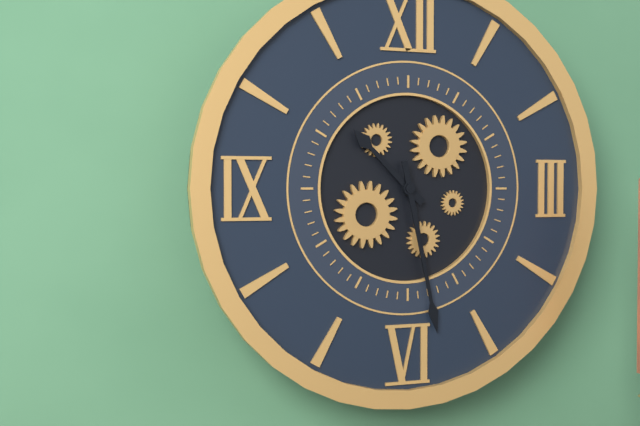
10:28
